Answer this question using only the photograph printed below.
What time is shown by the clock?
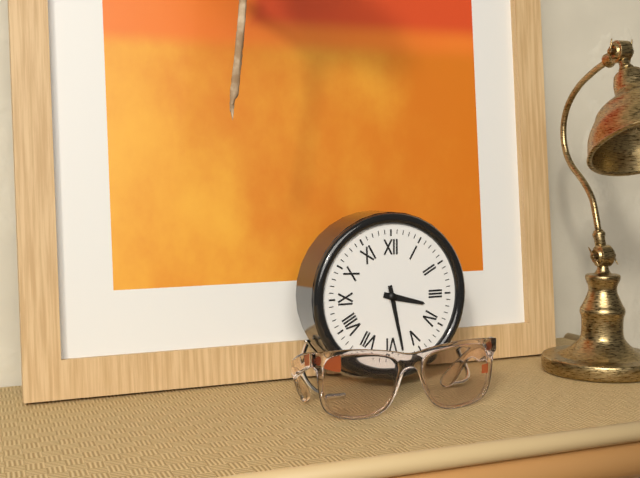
3:28
